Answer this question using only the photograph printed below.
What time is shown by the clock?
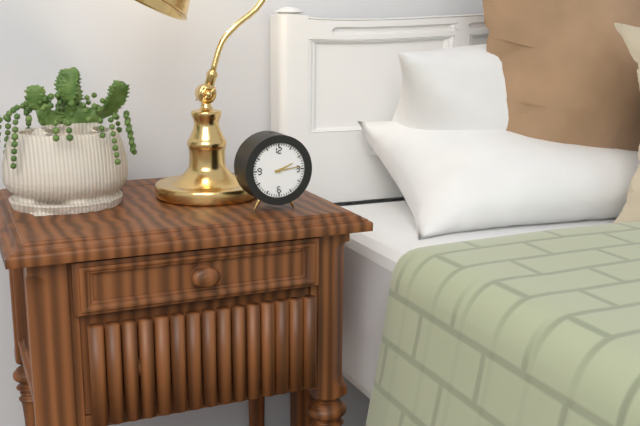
2:14
